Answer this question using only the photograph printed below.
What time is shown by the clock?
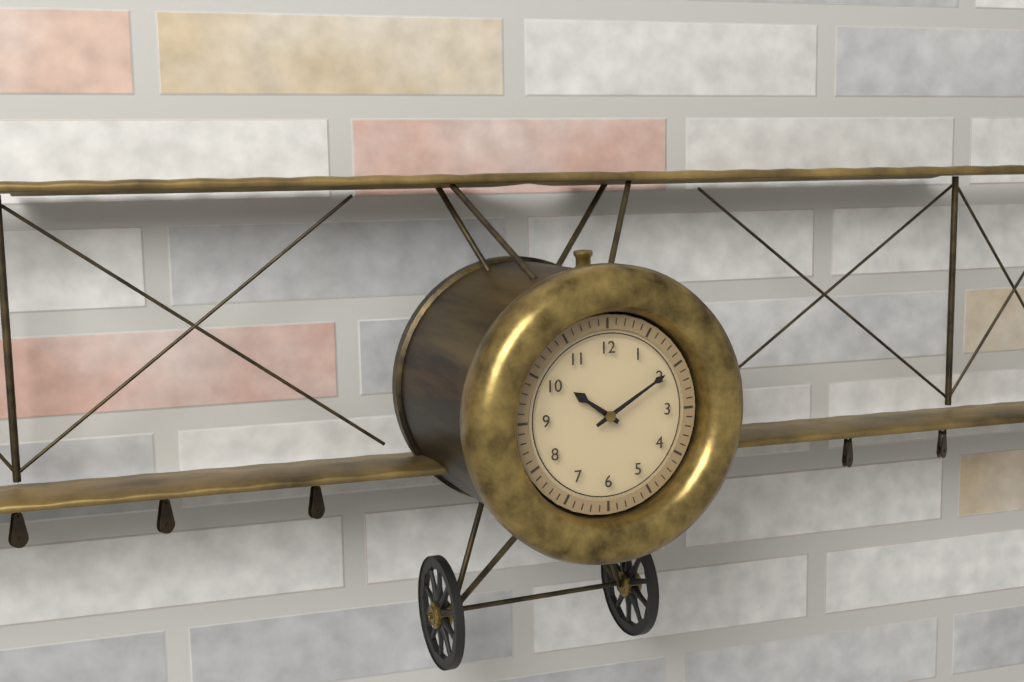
10:10
